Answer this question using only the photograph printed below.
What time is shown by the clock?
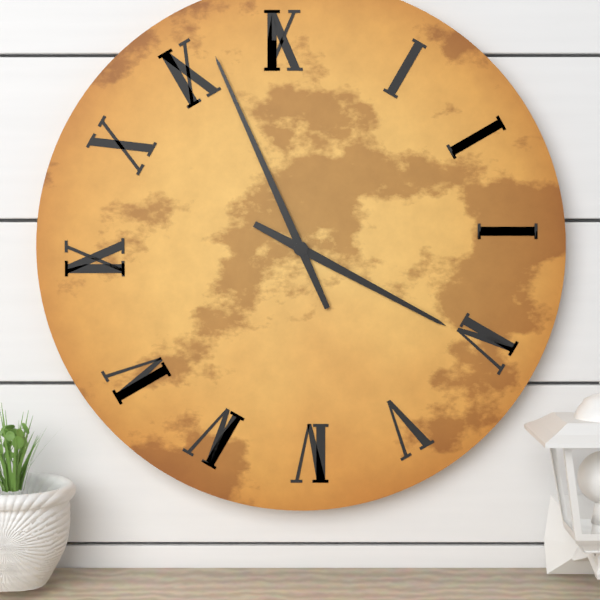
3:56
